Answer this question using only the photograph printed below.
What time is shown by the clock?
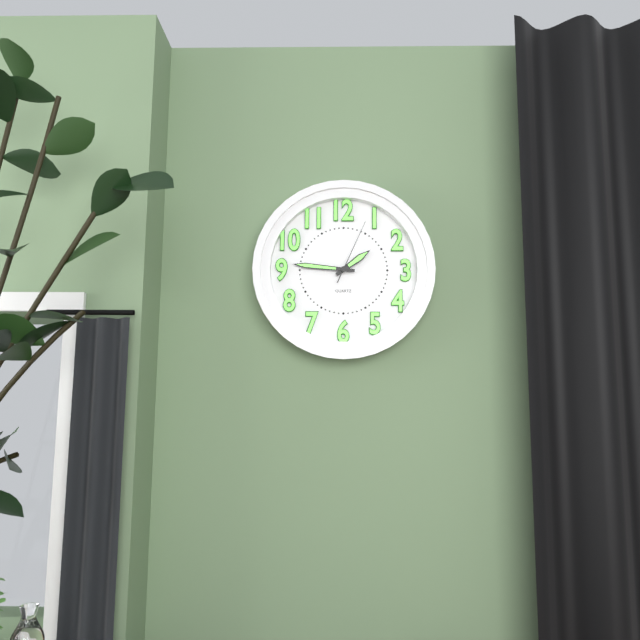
1:46:04
